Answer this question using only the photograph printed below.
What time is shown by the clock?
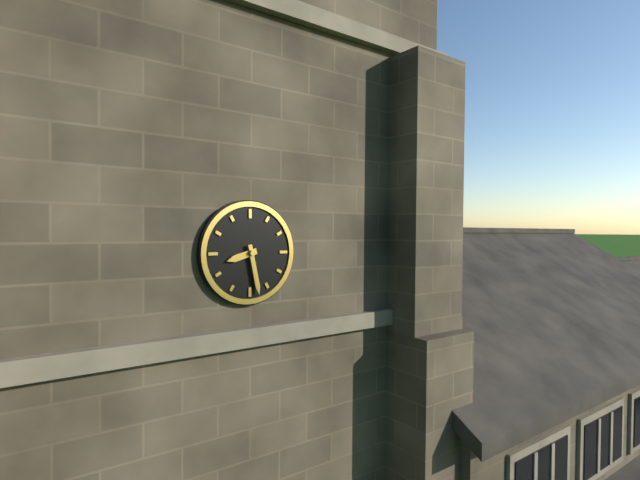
8:28
